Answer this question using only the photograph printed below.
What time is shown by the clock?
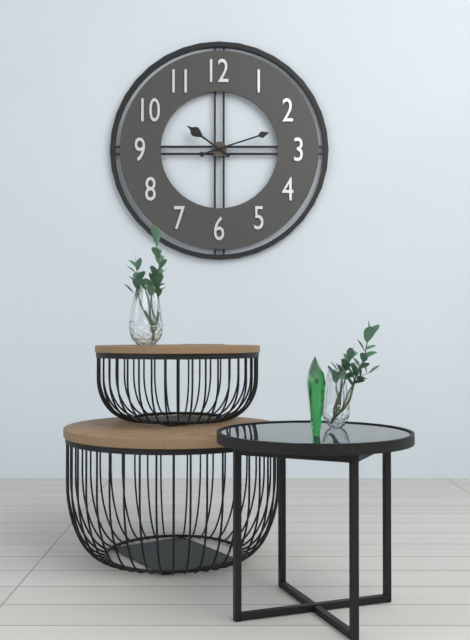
10:12
